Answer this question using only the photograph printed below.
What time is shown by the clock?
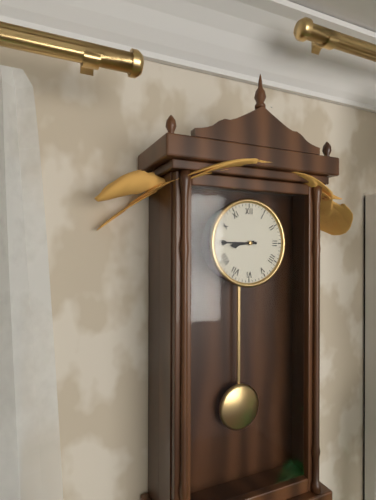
8:45
